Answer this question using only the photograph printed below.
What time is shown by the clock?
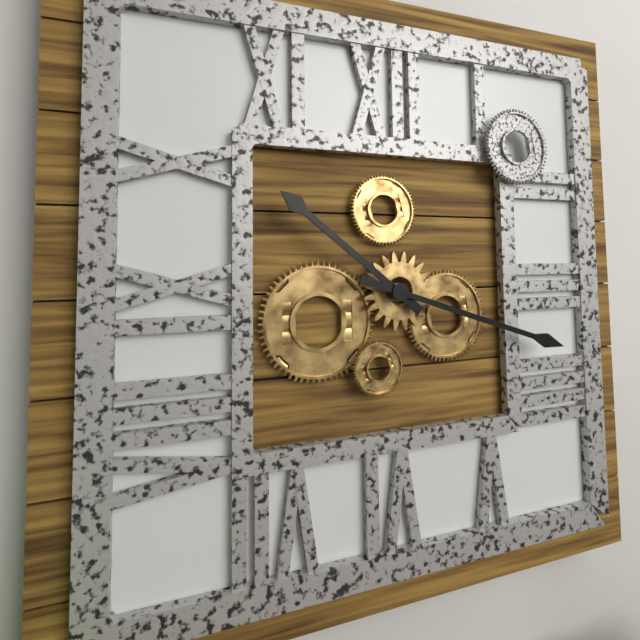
10:18
